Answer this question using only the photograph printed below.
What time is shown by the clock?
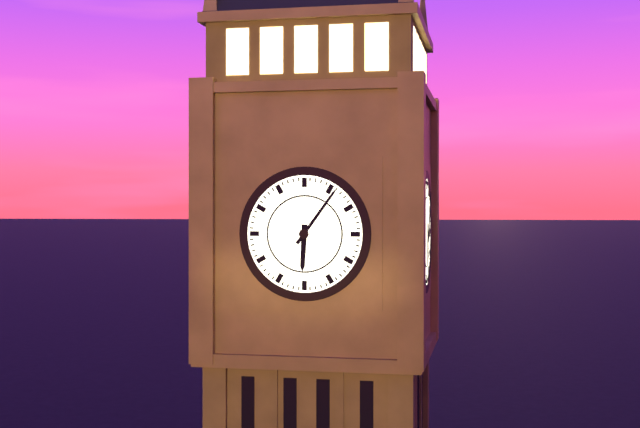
6:06
